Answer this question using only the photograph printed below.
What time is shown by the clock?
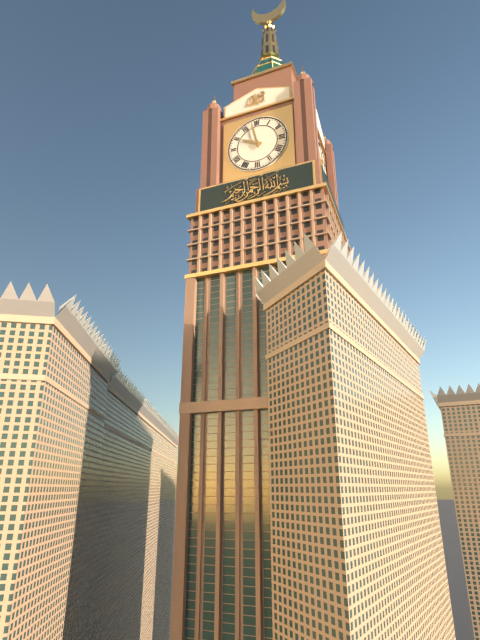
9:58
